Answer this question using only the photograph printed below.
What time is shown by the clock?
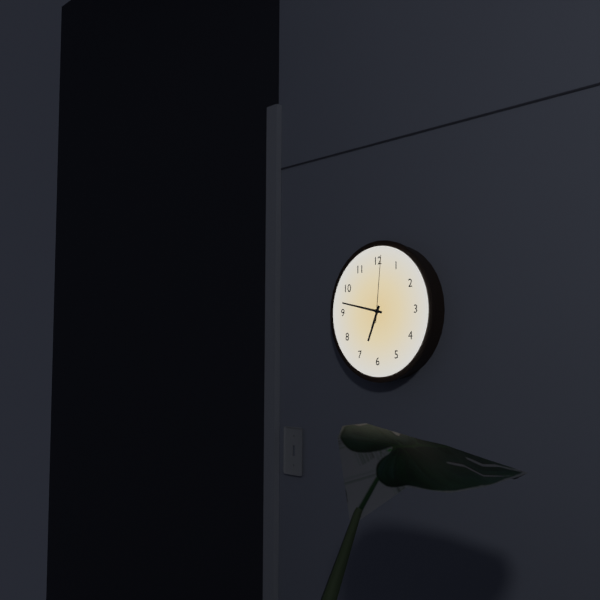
6:47:01
